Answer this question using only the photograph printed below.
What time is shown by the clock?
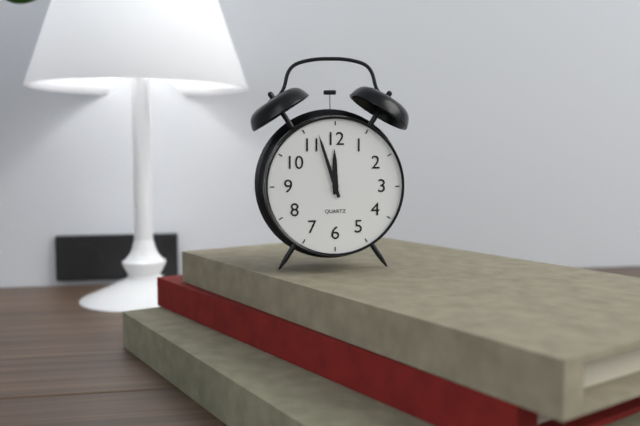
11:57
